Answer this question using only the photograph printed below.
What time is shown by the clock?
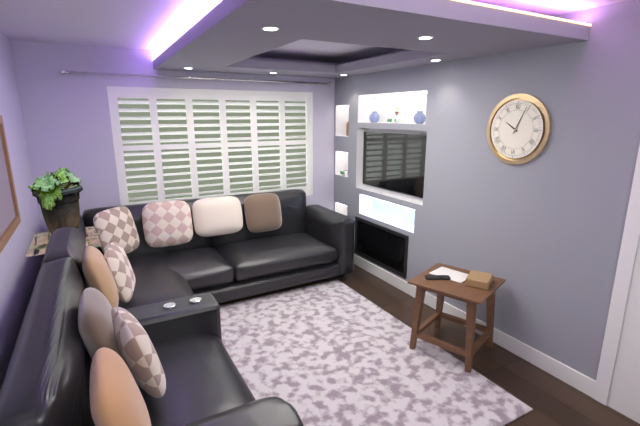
10:04
